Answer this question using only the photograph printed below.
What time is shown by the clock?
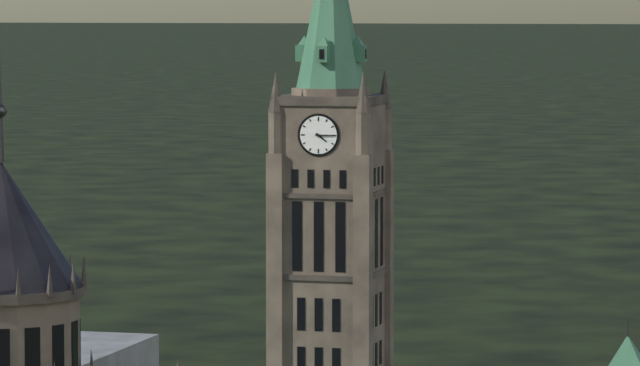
4:15
